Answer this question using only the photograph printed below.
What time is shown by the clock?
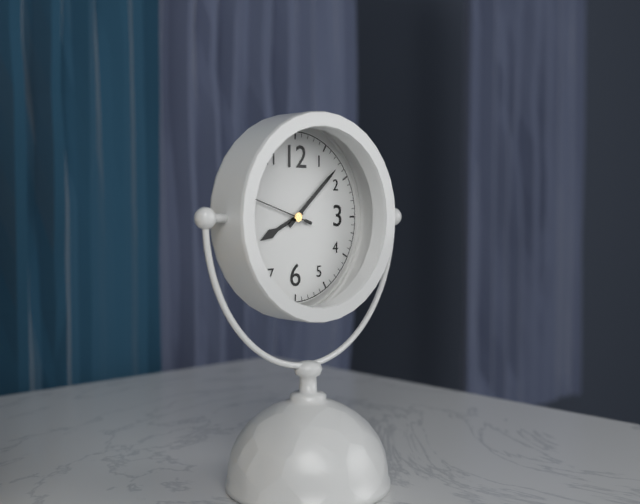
8:08:48
